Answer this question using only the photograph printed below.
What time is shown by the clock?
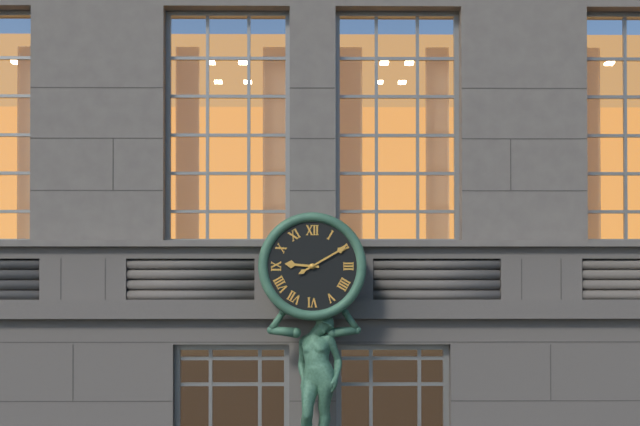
9:10
